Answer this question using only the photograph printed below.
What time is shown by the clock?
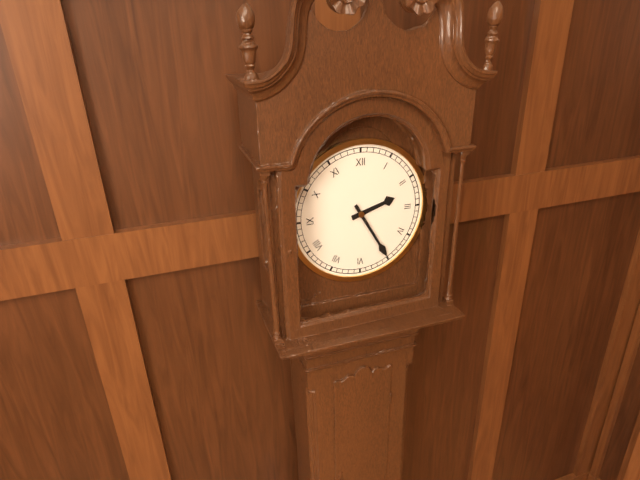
2:25
